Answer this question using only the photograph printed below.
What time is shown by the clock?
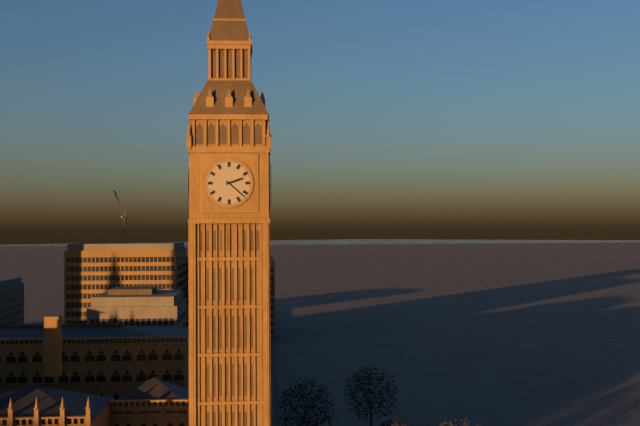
2:22
